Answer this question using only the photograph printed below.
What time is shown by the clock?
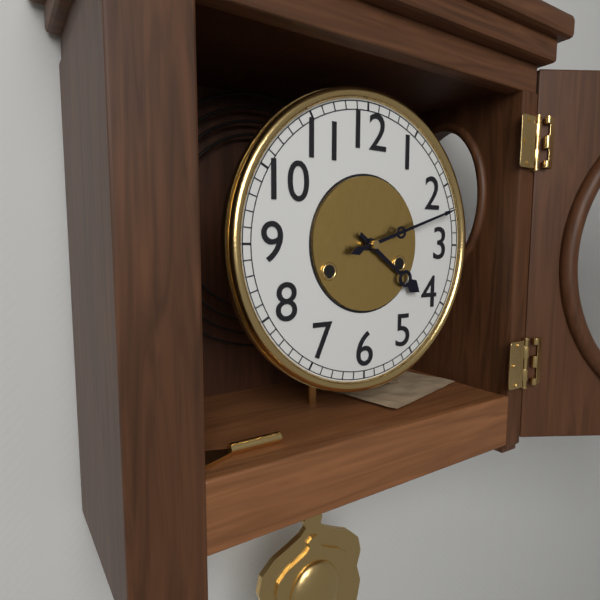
4:12
